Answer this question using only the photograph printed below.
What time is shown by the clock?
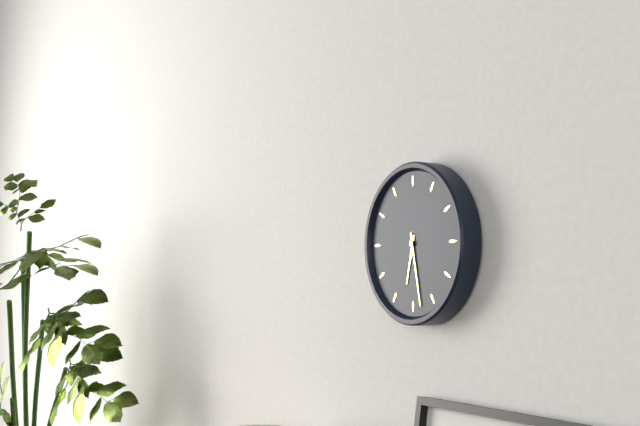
6:28
